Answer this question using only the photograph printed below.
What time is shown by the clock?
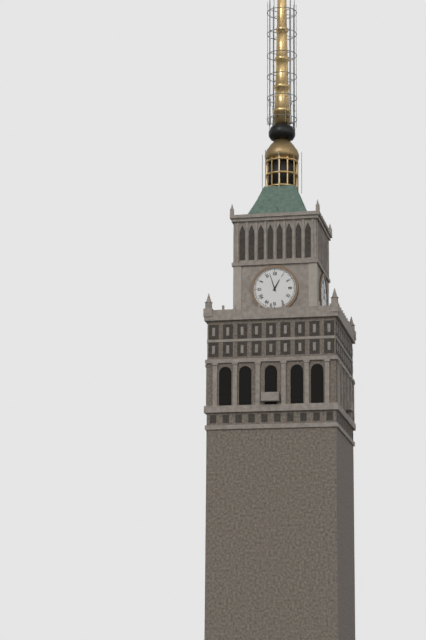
12:57
